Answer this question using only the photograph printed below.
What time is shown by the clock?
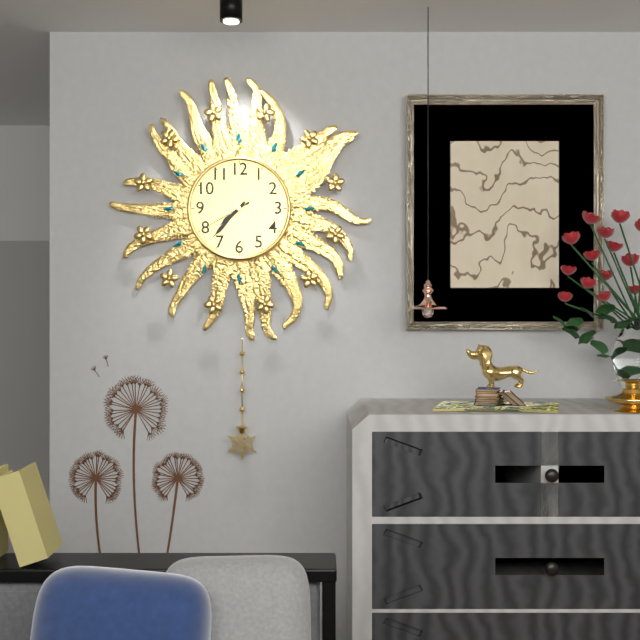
7:37:40
